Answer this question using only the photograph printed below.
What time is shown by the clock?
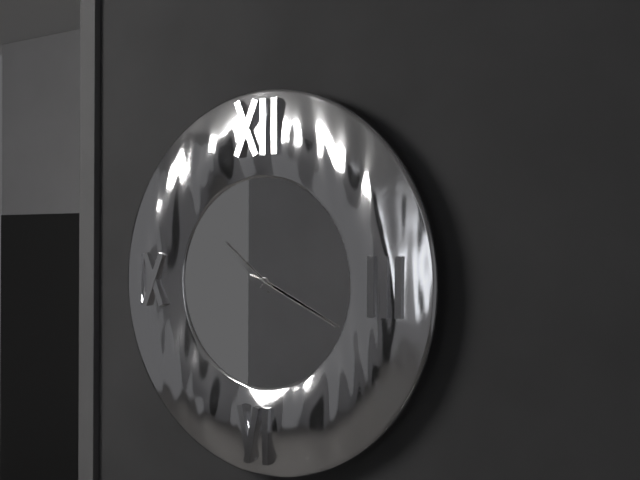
10:19
